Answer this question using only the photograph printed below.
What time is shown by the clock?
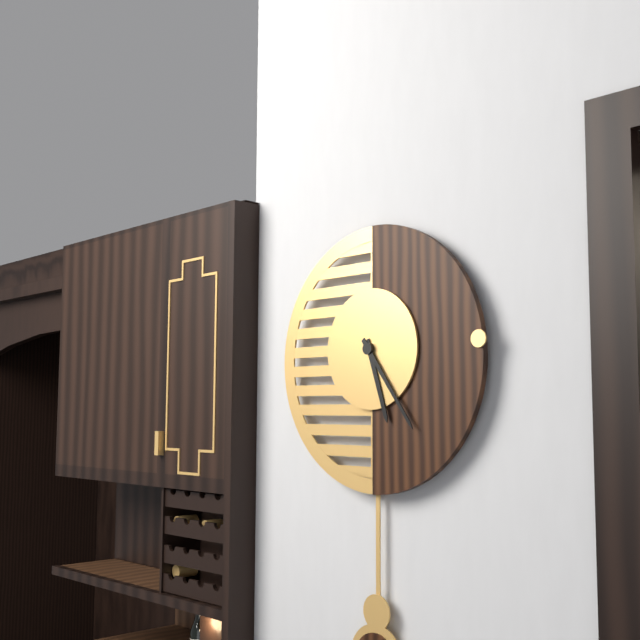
5:24
